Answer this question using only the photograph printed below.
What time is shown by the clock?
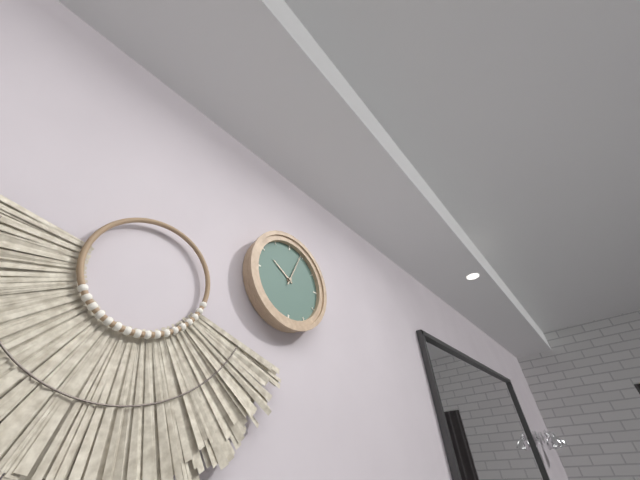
10:04
